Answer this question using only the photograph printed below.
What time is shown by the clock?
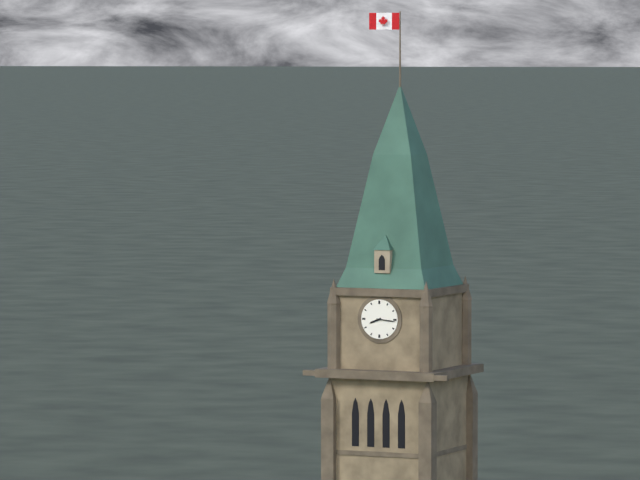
8:16
